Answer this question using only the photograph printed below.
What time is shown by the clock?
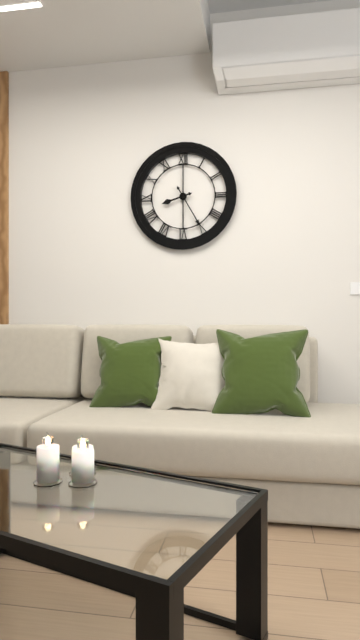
8:25
